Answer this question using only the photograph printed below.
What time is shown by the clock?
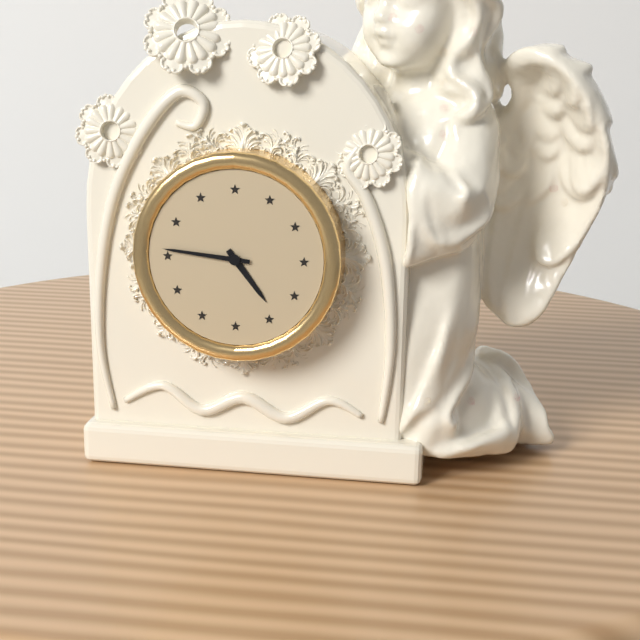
4:46
